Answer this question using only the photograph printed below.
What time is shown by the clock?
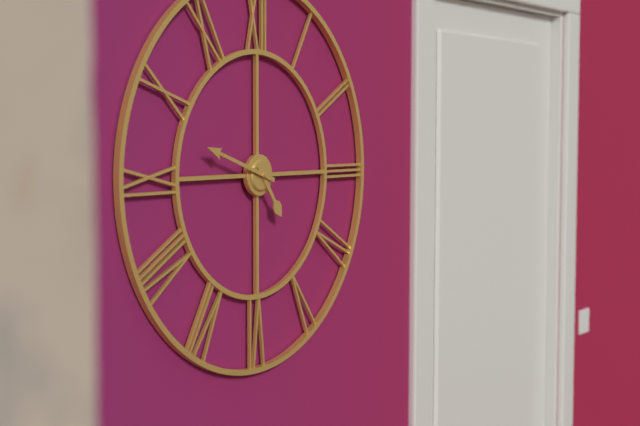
4:48
